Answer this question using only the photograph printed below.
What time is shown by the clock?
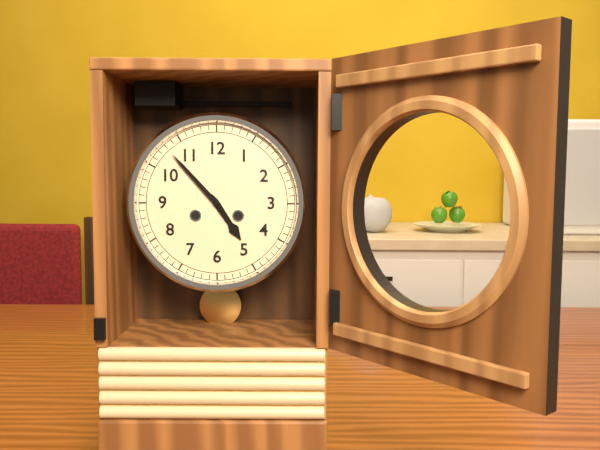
4:53
